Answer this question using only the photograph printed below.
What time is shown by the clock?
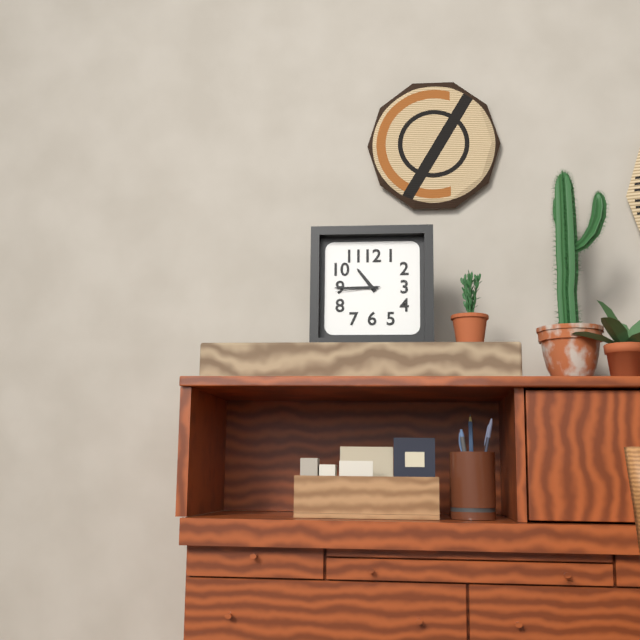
10:45
